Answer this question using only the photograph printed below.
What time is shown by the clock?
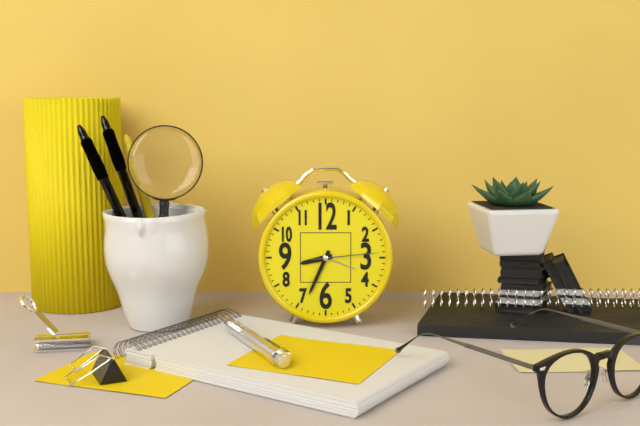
8:34:14
